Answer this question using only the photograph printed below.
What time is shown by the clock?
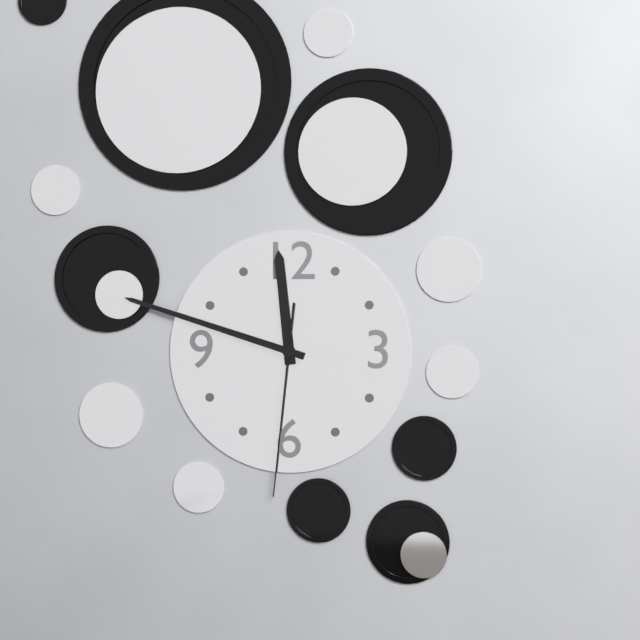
11:48:31
